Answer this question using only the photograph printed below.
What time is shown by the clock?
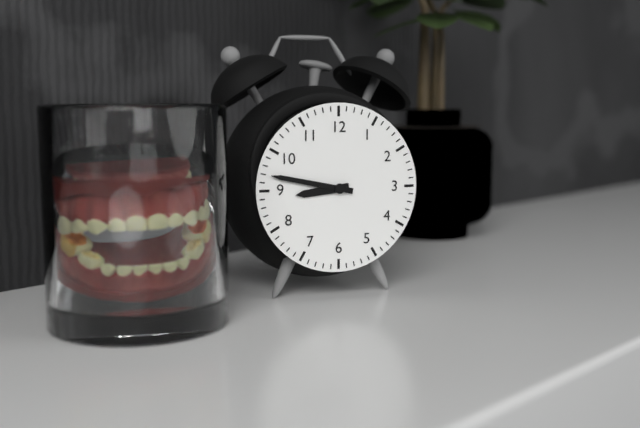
8:47
